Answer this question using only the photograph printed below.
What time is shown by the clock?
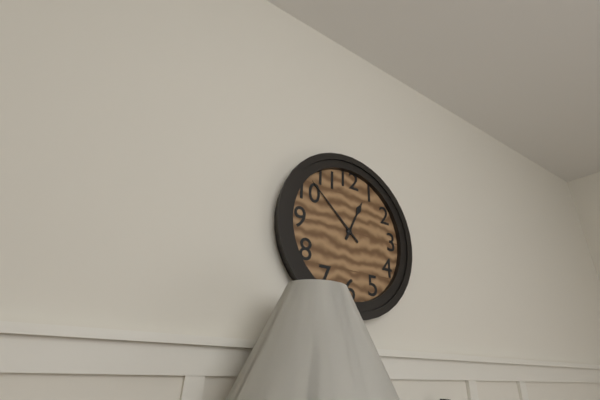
12:52
